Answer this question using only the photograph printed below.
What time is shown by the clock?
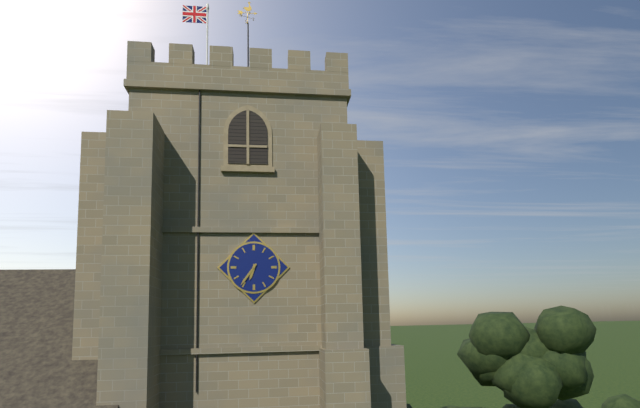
6:36
